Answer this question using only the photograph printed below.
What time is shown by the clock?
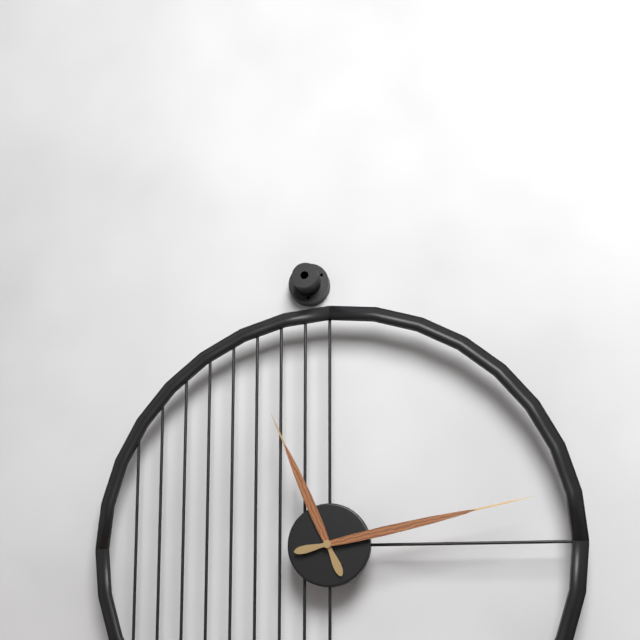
11:13
